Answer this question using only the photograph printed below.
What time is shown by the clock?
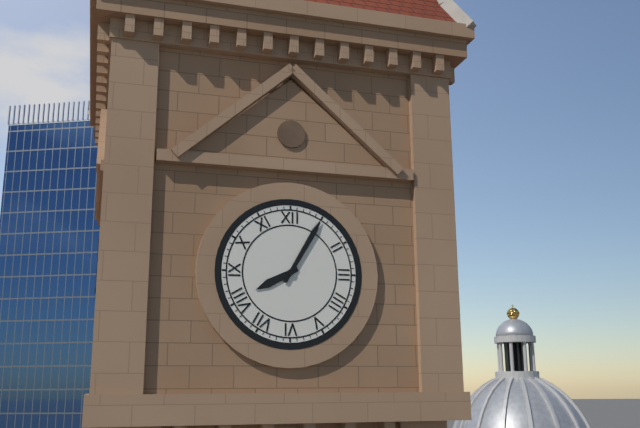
8:05
